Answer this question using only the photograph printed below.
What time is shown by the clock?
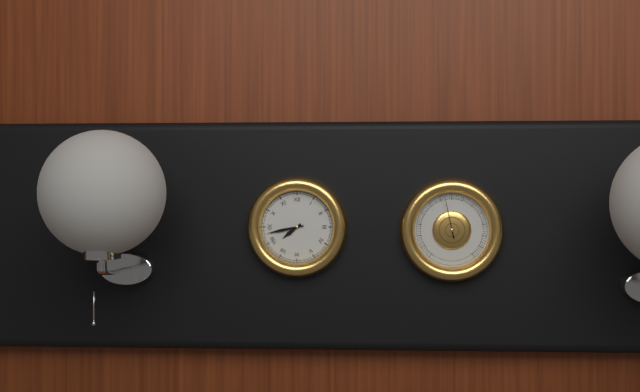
7:43
